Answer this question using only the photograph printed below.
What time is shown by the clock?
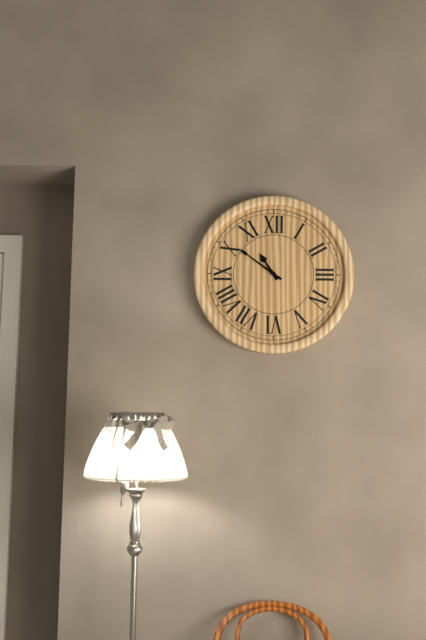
10:51
